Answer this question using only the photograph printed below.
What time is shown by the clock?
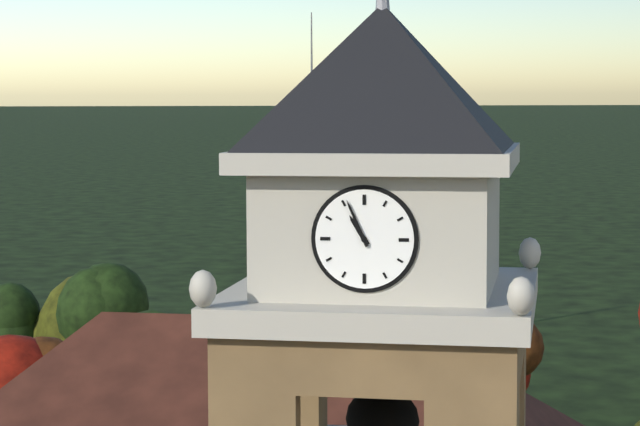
10:56
